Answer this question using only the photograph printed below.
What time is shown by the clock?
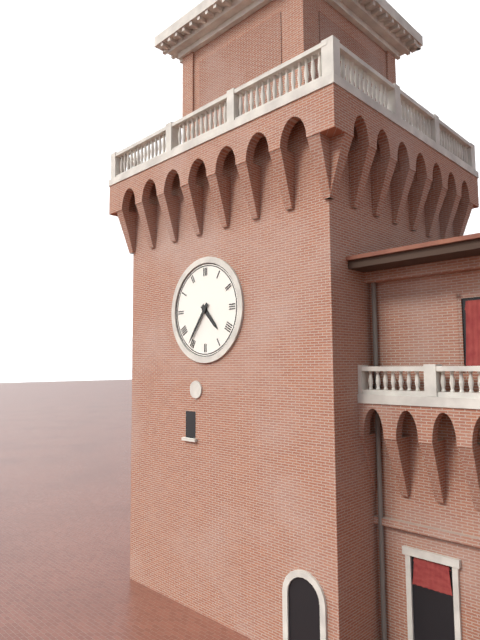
4:36
